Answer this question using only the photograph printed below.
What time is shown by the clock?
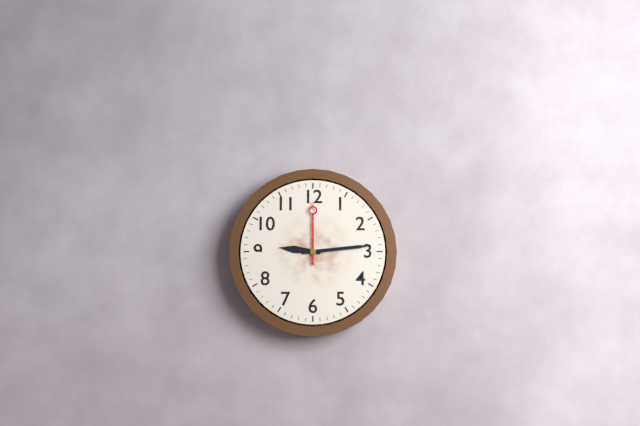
9:14:00
